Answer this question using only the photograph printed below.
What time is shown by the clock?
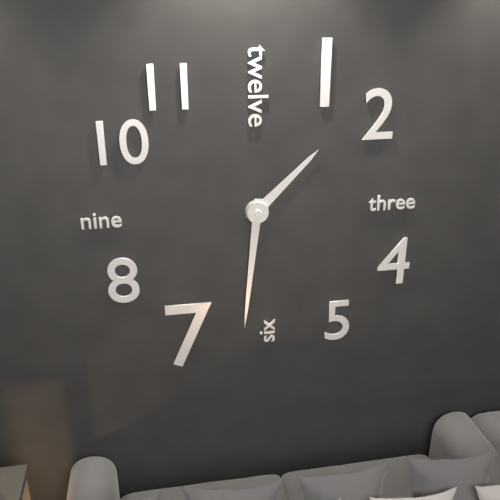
1:31
